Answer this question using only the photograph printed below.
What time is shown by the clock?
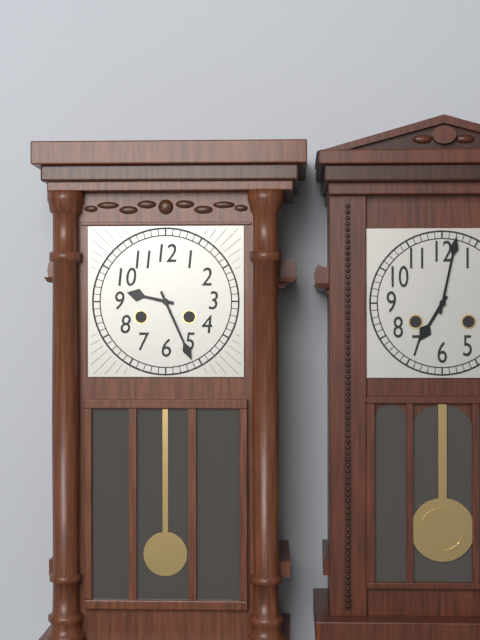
9:26
